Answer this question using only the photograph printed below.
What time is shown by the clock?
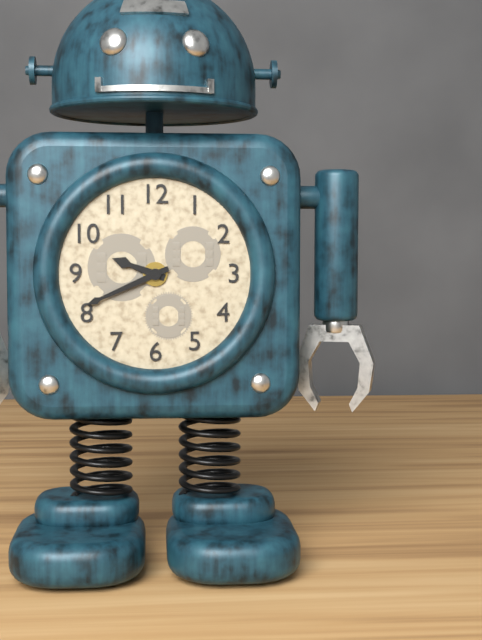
9:41
